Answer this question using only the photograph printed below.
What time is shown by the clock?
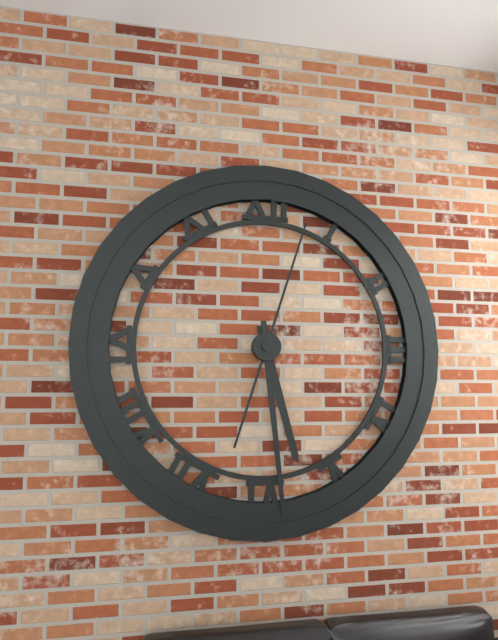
5:29:03
